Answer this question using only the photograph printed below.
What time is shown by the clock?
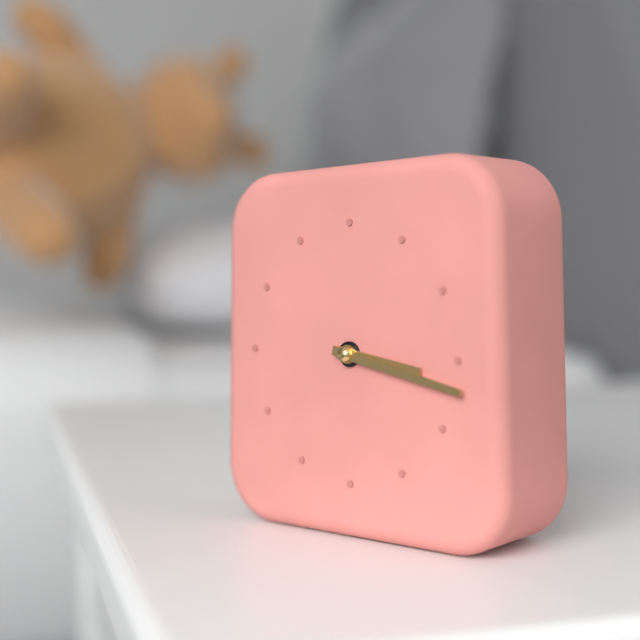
3:17
